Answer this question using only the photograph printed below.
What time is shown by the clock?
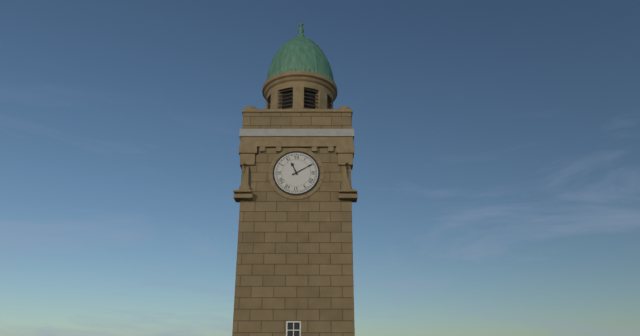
11:10
